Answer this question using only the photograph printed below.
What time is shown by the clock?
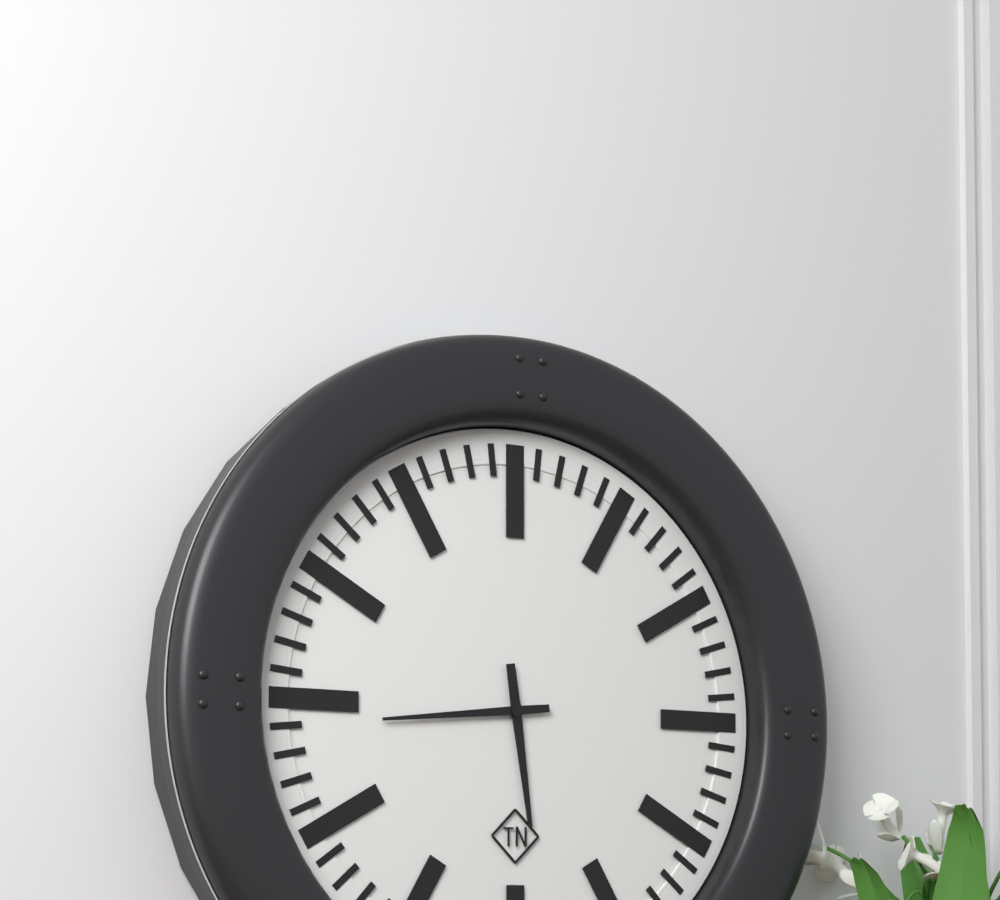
5:44
